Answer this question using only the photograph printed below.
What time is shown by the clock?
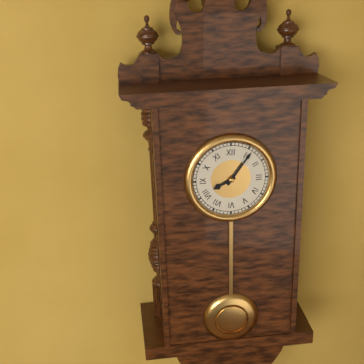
8:06
